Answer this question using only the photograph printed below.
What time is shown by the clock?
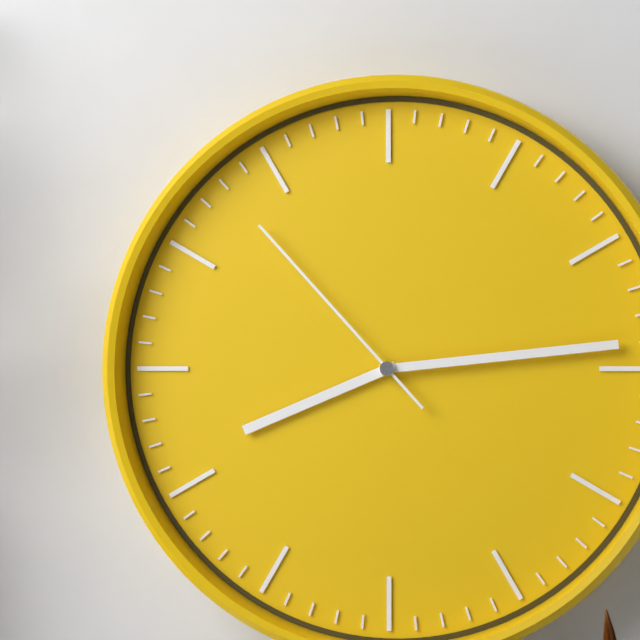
8:14:53
